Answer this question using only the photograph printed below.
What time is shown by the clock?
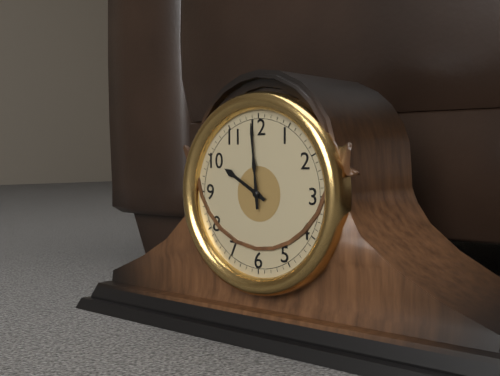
9:59
